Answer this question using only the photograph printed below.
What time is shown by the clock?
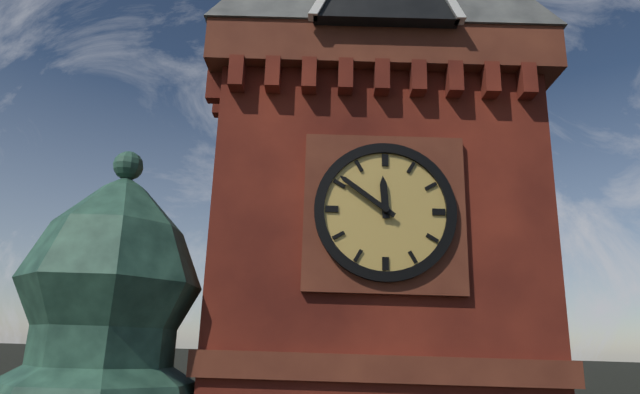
11:51
